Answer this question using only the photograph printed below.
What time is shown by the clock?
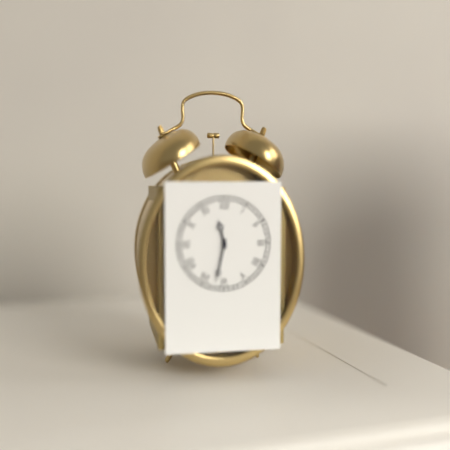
11:32
